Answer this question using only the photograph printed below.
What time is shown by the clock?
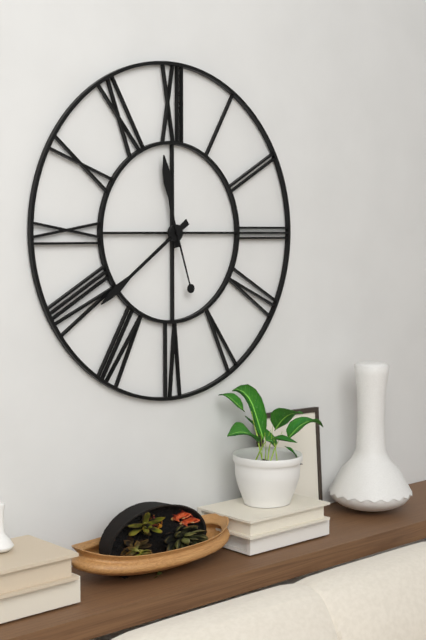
11:39:27
